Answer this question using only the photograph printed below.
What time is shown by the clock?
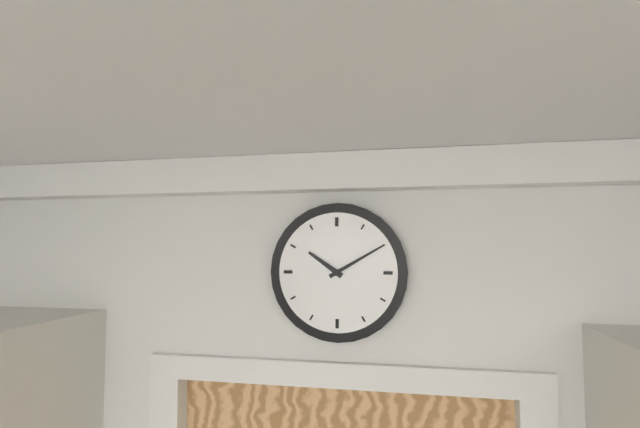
10:10
